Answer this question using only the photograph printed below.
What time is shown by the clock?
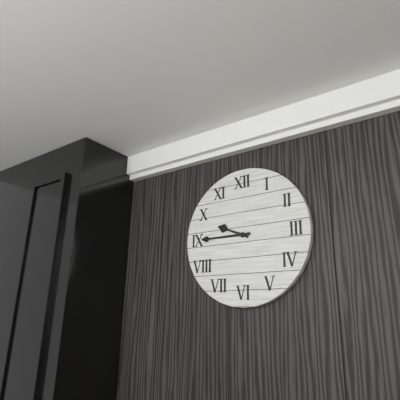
9:45
